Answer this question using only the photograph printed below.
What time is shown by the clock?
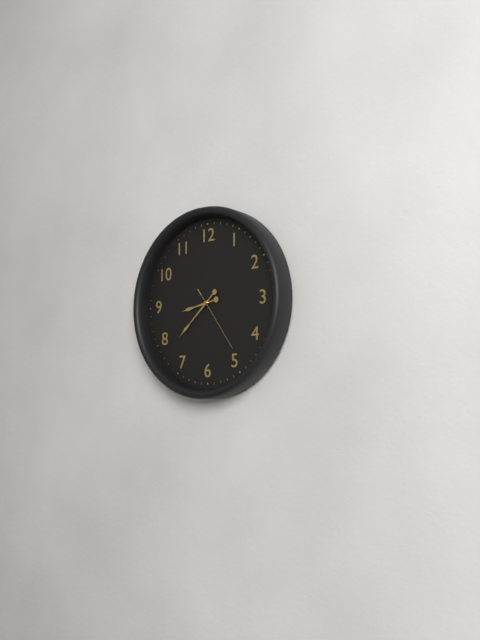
8:38:24
